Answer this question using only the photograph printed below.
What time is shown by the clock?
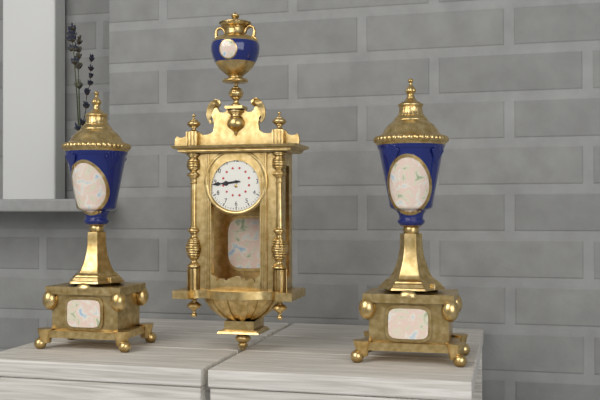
8:44
